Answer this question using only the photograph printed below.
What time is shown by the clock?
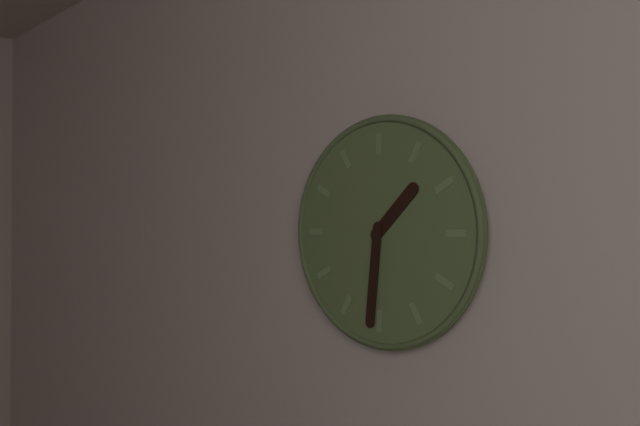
1:31
